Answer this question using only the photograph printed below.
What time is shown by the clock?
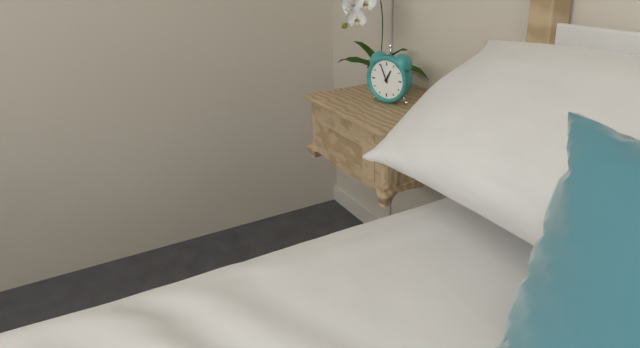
12:56
